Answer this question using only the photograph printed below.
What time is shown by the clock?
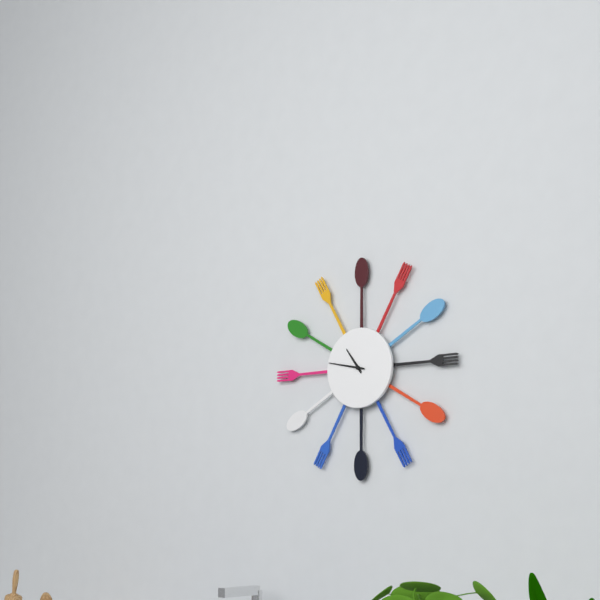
10:47
